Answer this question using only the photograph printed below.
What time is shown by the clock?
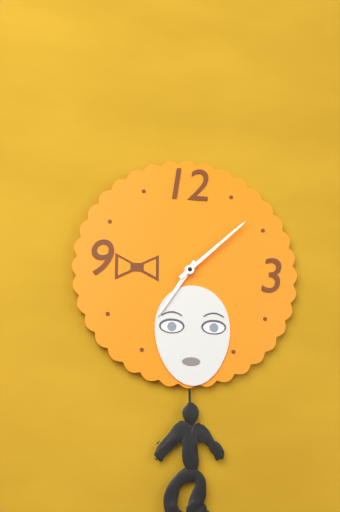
7:08
